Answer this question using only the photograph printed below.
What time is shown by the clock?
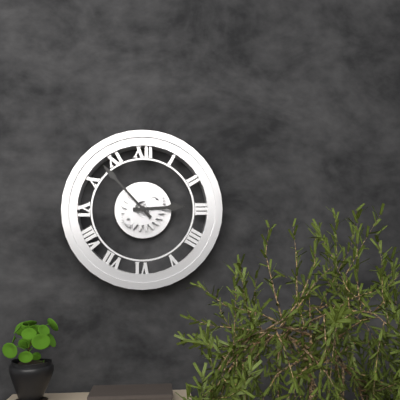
2:53
